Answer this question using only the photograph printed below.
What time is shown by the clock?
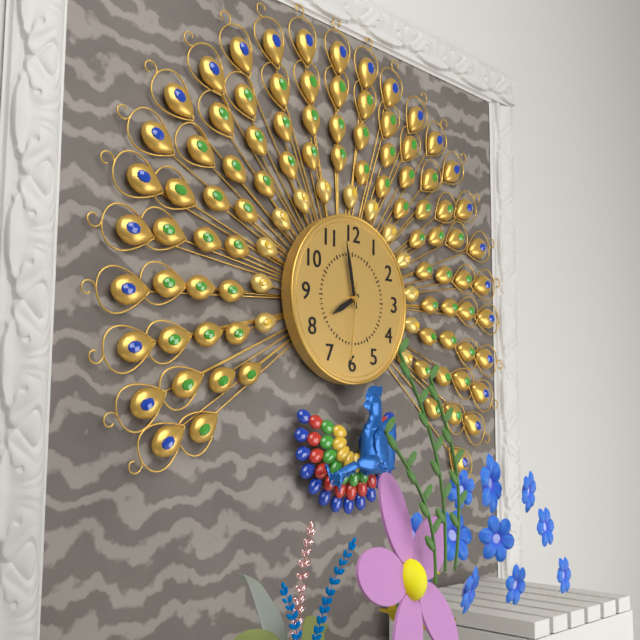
7:58:31
